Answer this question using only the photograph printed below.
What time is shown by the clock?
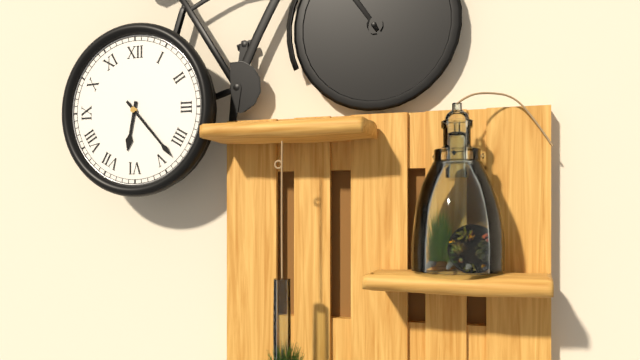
6:23
